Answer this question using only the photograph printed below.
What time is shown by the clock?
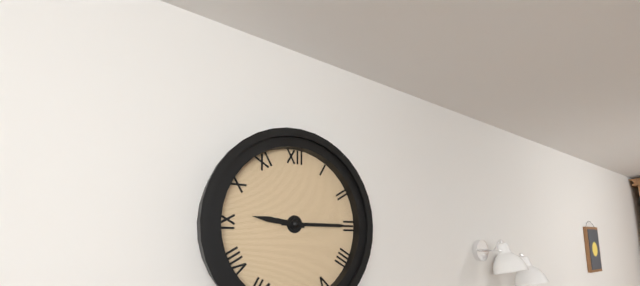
9:15
